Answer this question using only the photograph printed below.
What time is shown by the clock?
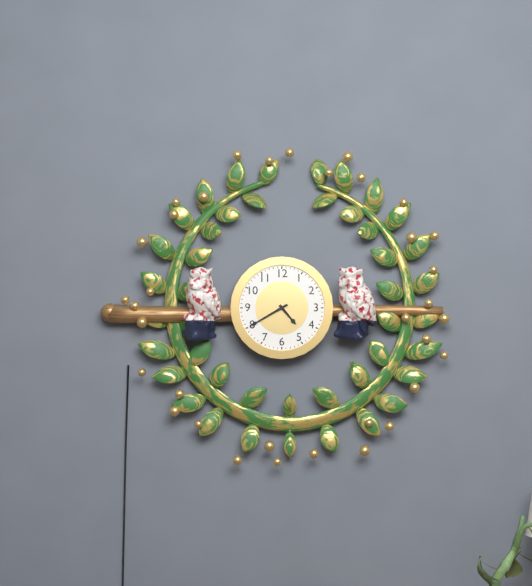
4:40
